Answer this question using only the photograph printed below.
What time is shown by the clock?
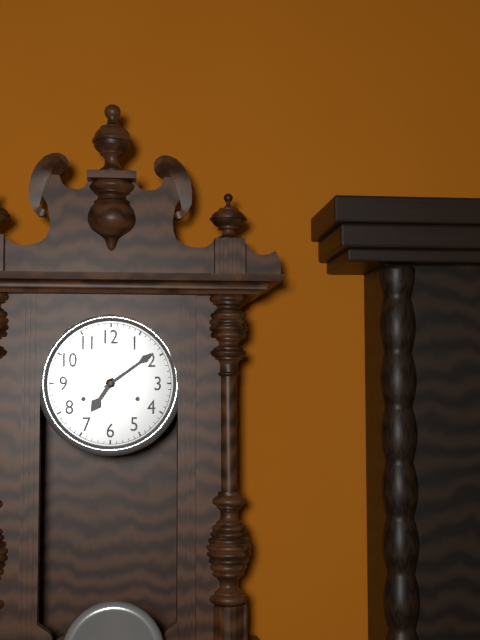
7:09
